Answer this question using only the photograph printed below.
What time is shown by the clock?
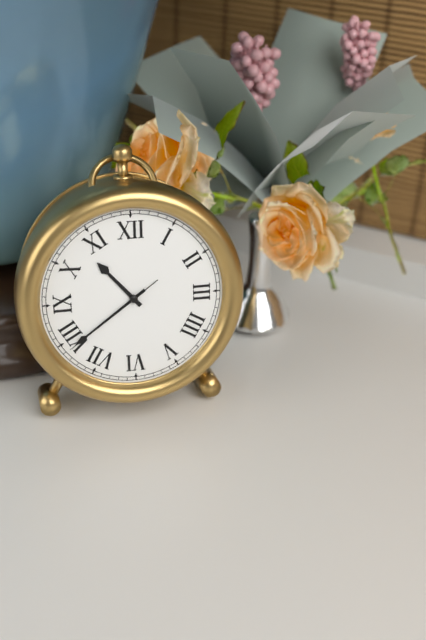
10:39:39
